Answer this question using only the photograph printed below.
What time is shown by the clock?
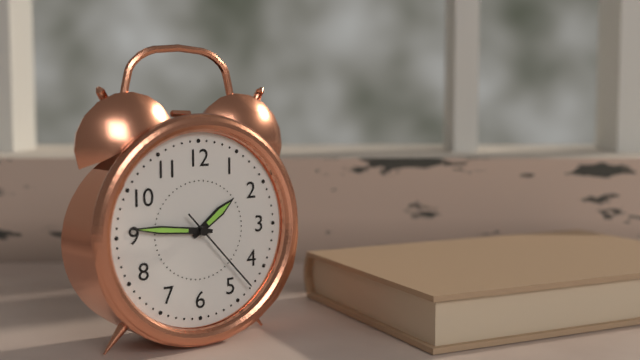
1:46:23
